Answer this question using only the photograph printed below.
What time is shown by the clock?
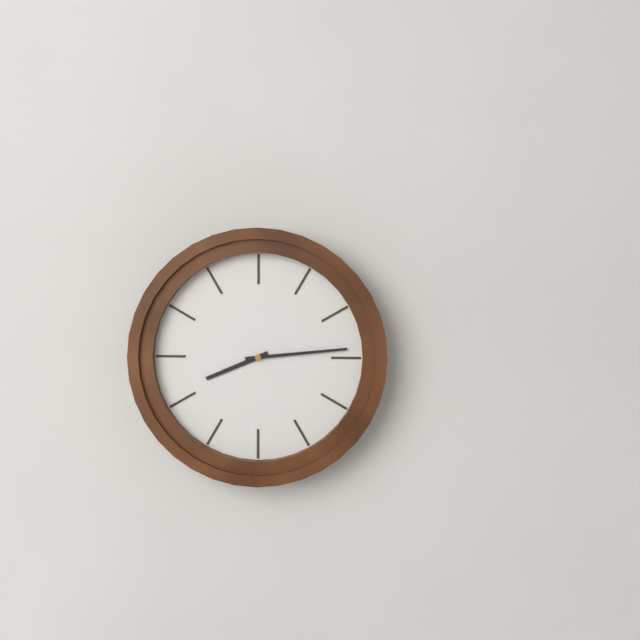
8:14
